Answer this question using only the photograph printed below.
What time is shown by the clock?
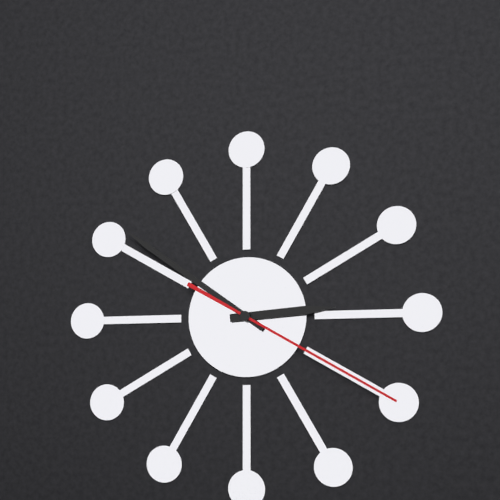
2:51:20
